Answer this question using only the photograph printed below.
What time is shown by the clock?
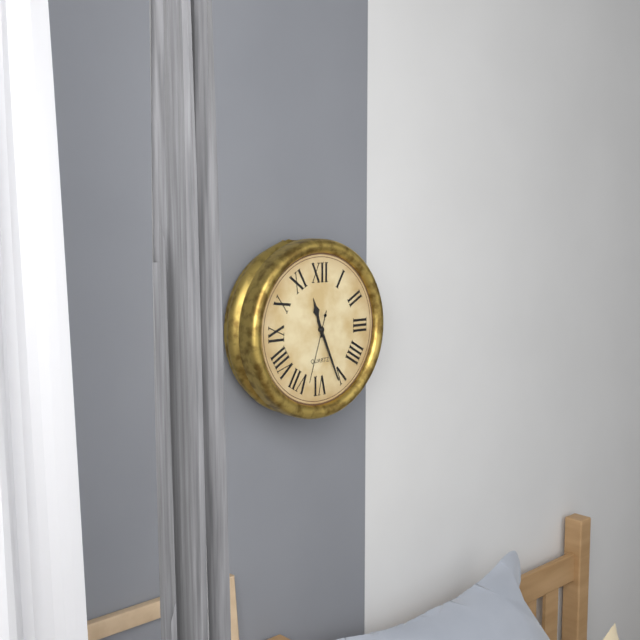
11:26:33
